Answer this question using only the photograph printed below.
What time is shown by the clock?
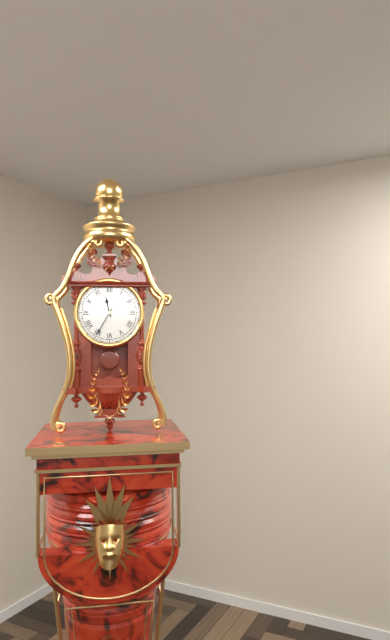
11:35
